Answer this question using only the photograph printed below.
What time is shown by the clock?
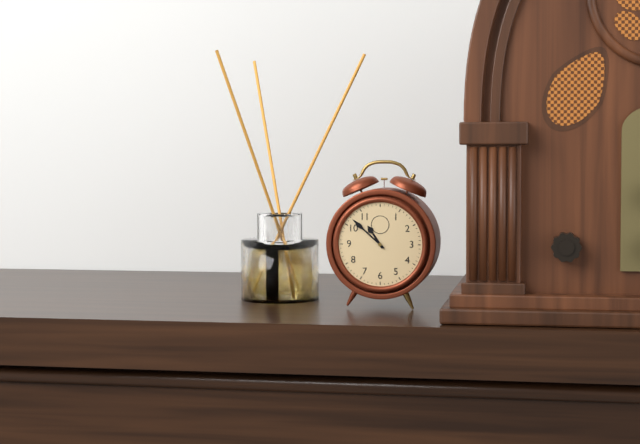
10:52
